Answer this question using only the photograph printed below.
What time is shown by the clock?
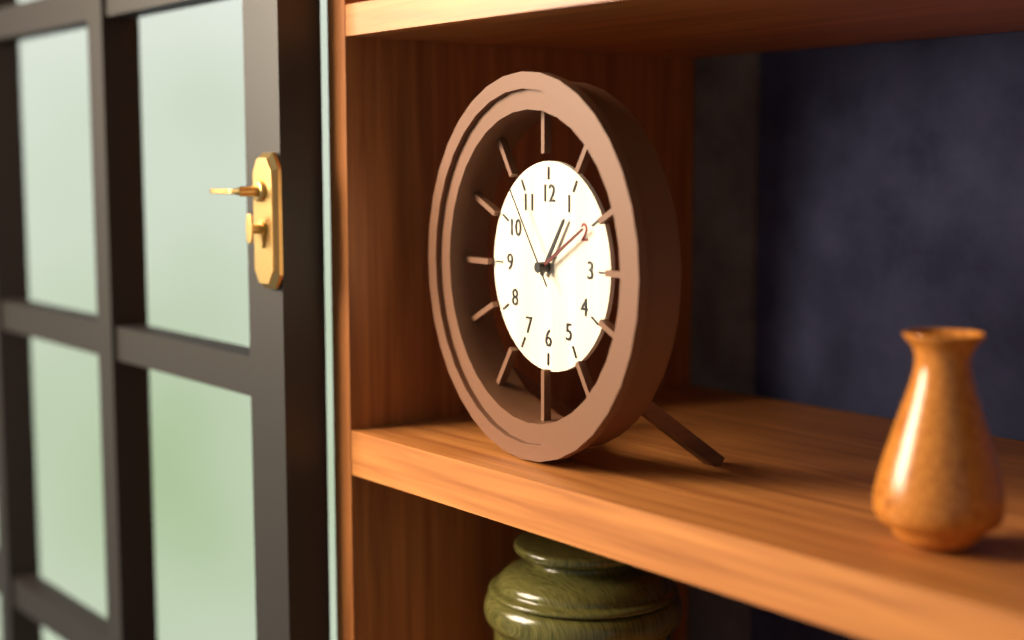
1:10:54
